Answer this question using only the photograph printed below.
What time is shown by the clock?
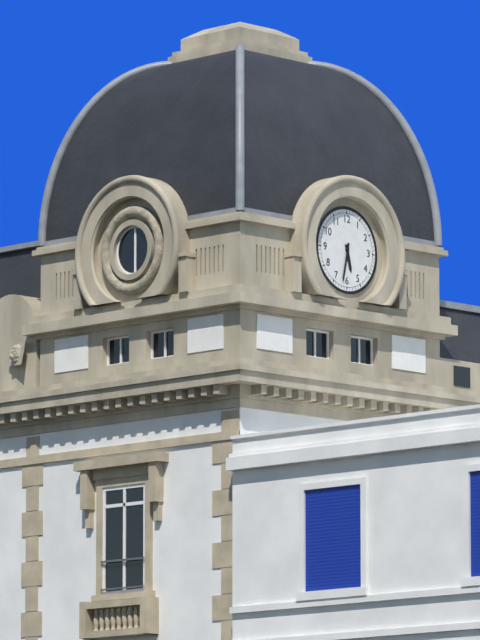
5:32
